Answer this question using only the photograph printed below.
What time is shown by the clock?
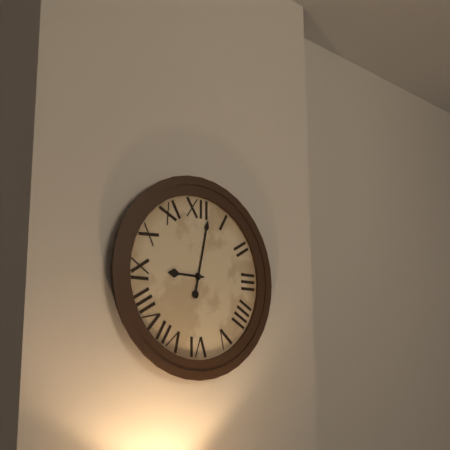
9:02
